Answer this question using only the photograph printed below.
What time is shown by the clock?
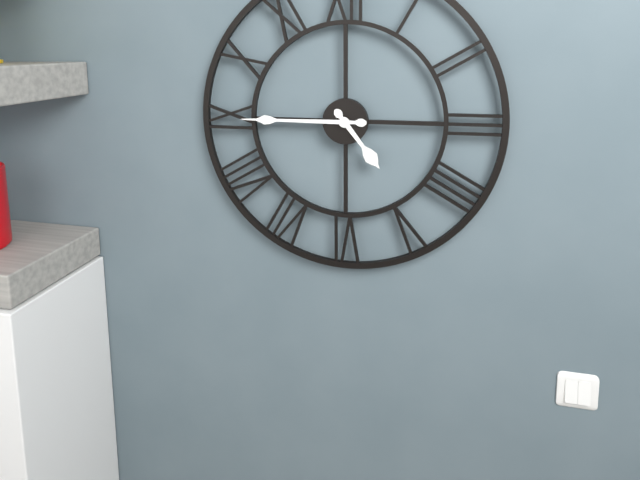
4:45
